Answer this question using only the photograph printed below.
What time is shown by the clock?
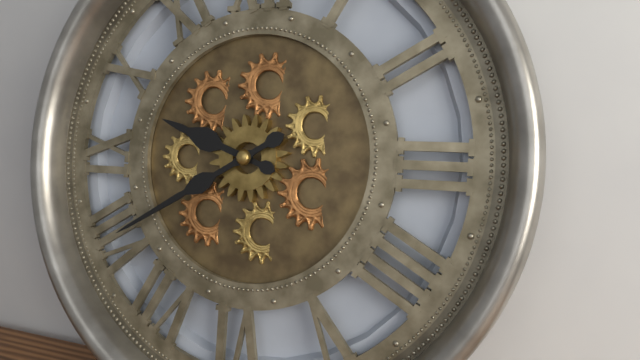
9:40
